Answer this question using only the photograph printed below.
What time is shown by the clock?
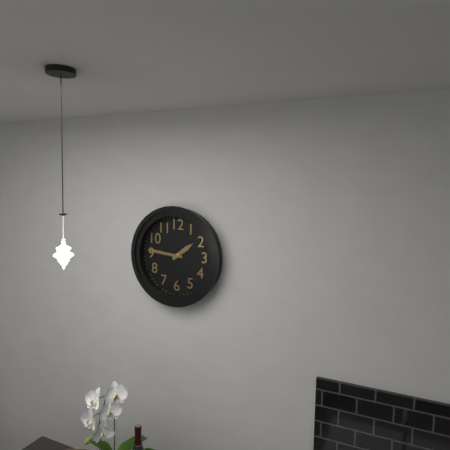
1:46
